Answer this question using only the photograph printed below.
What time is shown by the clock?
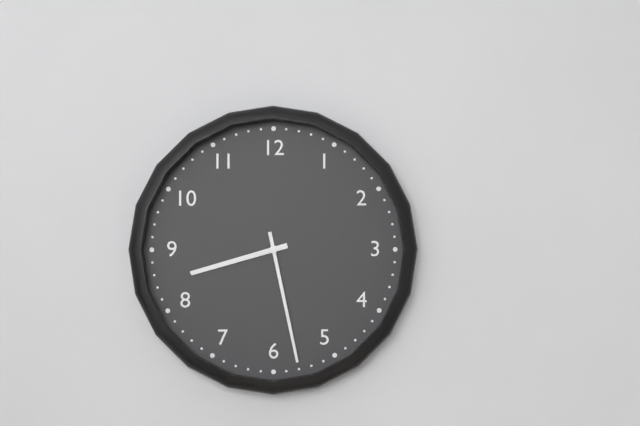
8:28
